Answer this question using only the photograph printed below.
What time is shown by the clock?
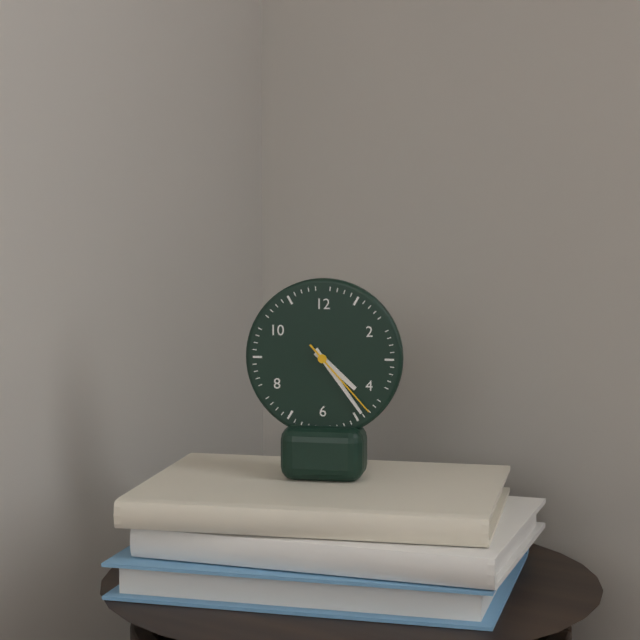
4:24:23
